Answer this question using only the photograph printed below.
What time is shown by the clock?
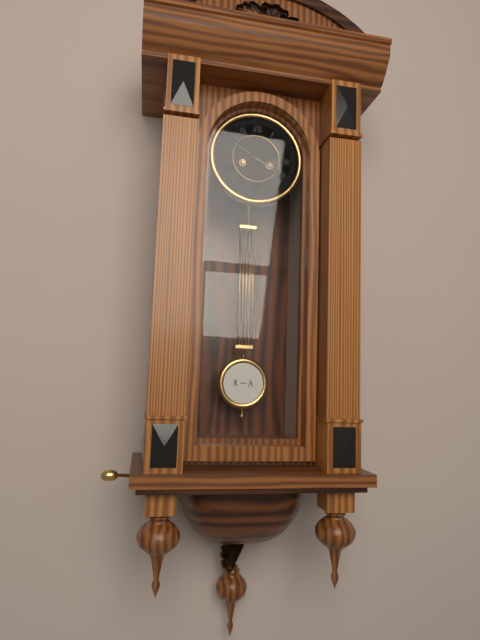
3:50
